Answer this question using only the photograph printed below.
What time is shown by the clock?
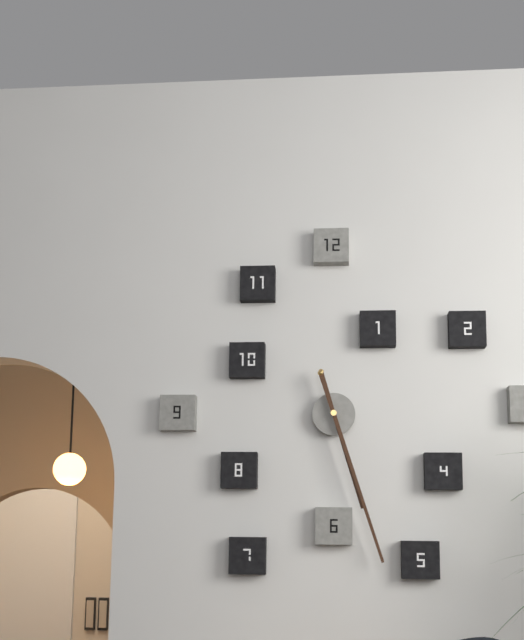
5:27
